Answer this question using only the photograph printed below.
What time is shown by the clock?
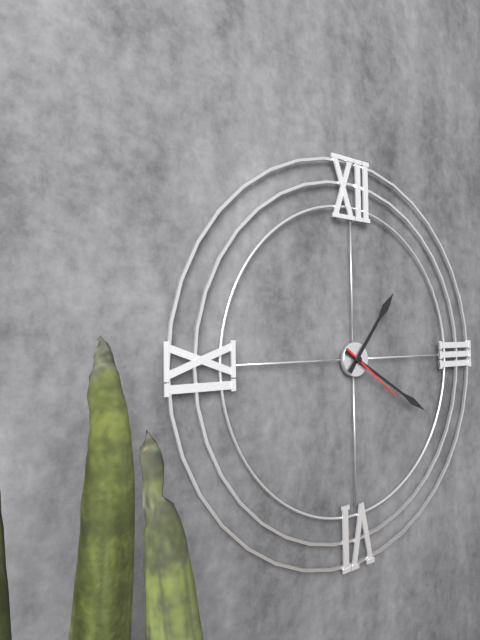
1:20:21
